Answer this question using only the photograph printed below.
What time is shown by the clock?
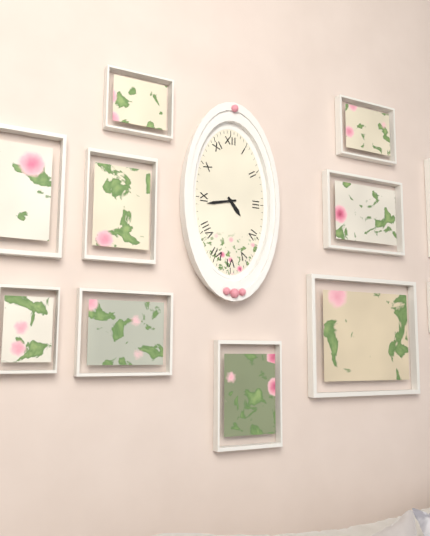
4:43
